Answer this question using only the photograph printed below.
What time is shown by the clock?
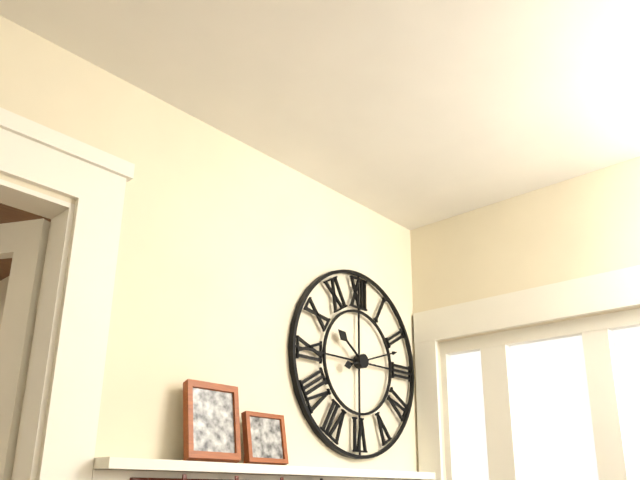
10:12
